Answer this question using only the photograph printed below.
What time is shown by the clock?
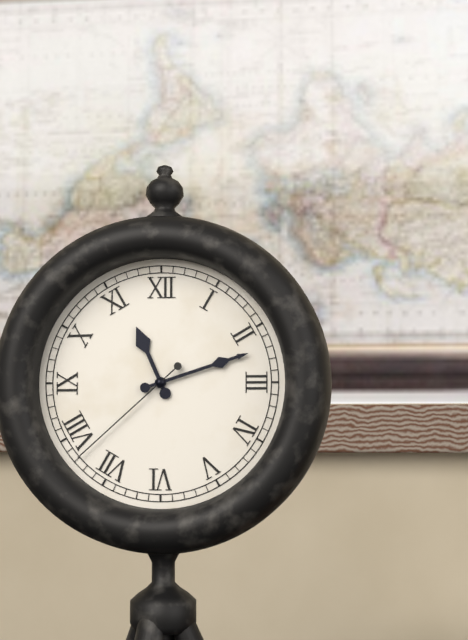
11:12:38
